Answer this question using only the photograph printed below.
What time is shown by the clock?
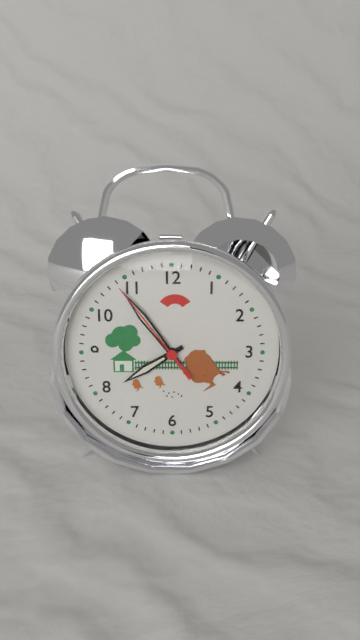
7:54:54
